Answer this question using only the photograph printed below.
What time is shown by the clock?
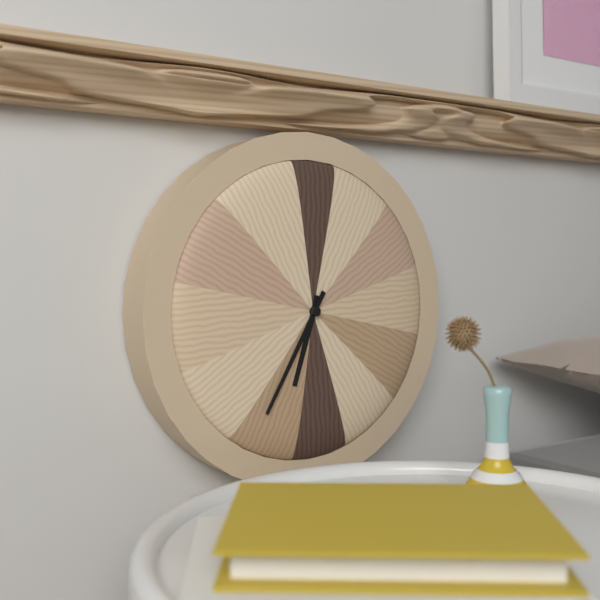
6:35
